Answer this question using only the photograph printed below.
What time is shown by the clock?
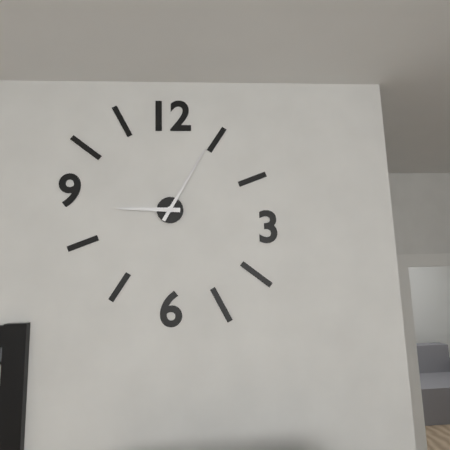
9:05
